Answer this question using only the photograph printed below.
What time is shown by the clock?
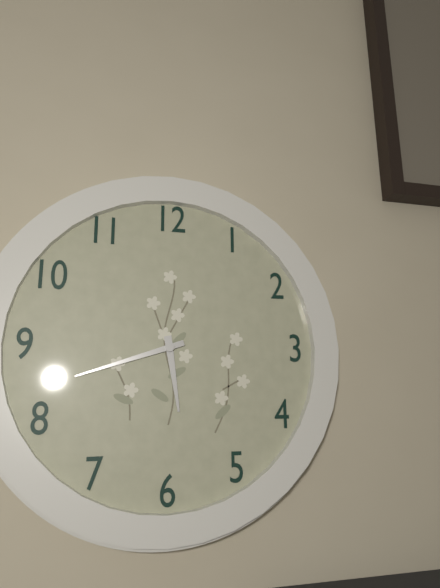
5:42
